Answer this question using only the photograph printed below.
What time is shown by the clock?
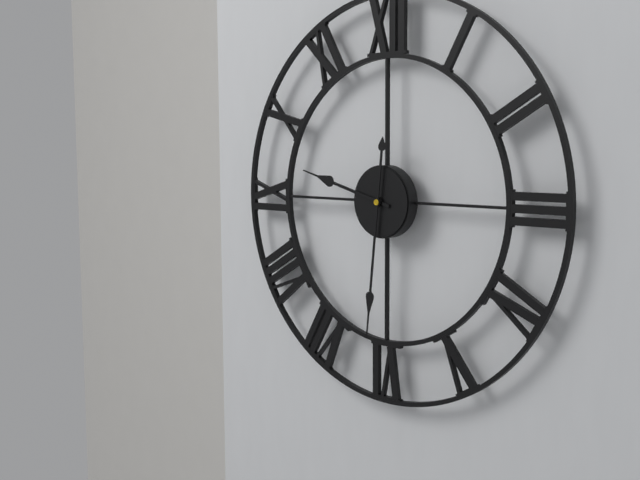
9:31
